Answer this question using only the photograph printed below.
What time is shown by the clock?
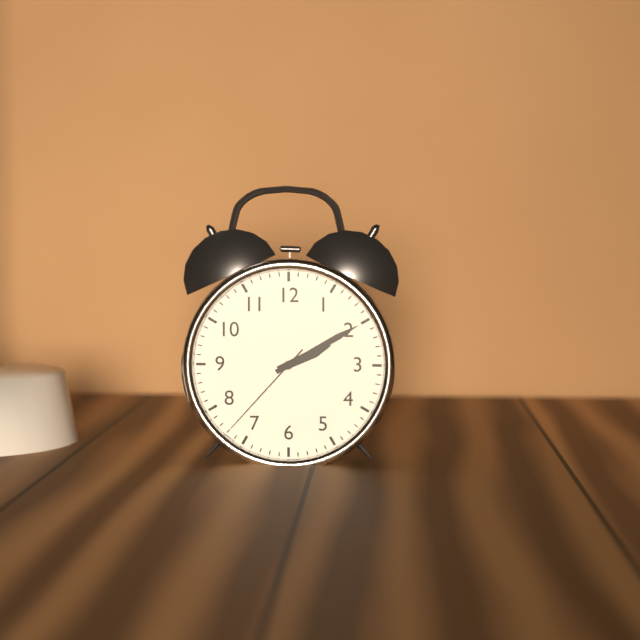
2:10:37
